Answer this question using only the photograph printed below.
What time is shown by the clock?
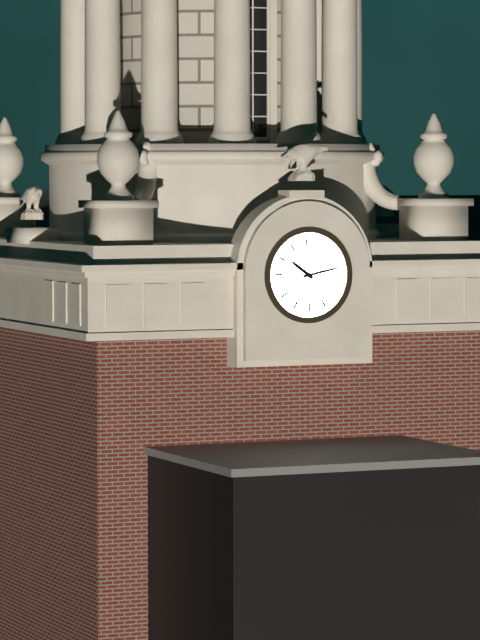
10:13
